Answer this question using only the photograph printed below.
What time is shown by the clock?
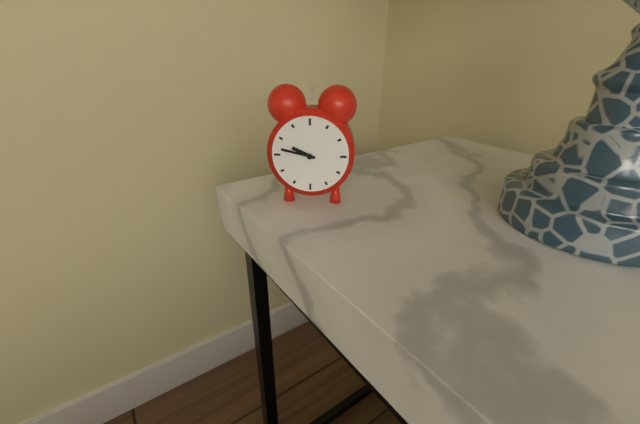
9:47
